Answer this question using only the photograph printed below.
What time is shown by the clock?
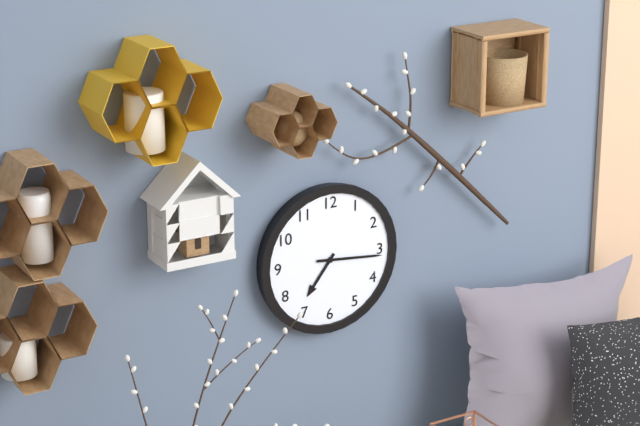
7:16
